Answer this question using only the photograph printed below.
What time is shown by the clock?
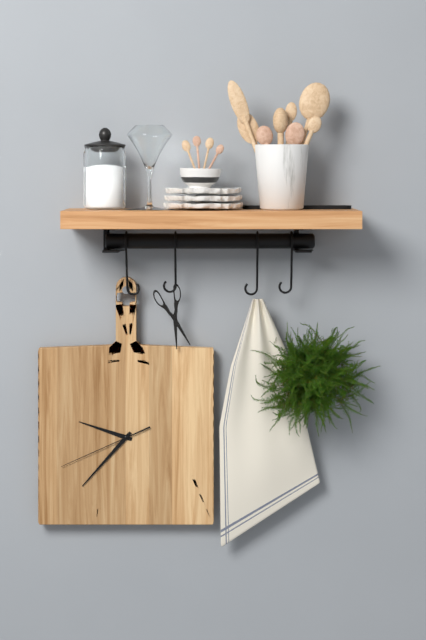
9:37:41
